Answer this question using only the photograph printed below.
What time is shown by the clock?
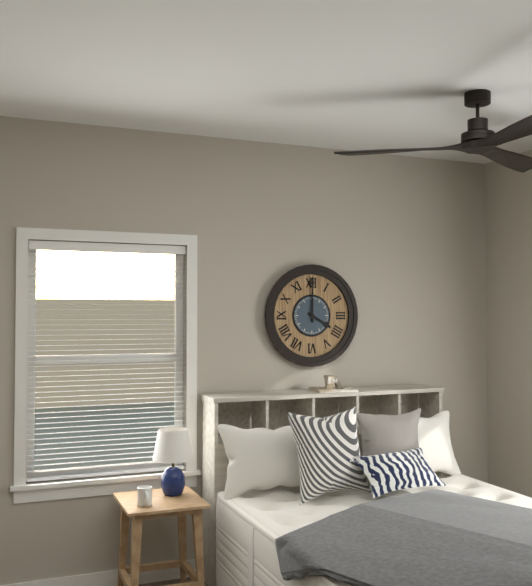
4:00
